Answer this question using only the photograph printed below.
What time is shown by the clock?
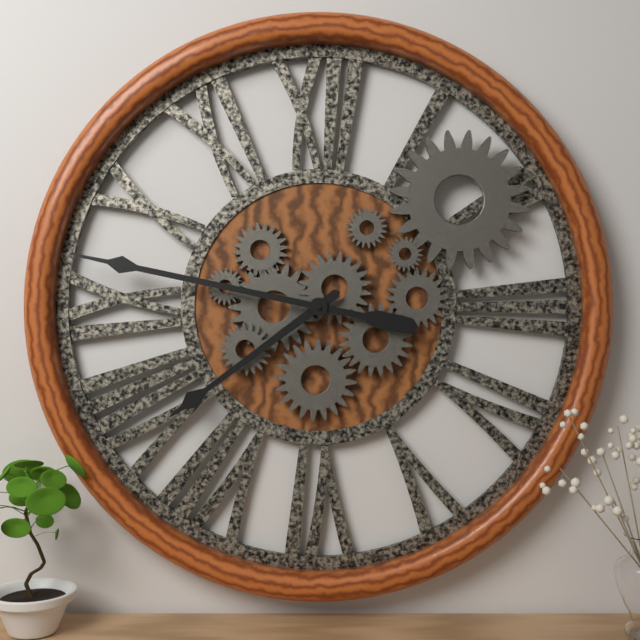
7:47
